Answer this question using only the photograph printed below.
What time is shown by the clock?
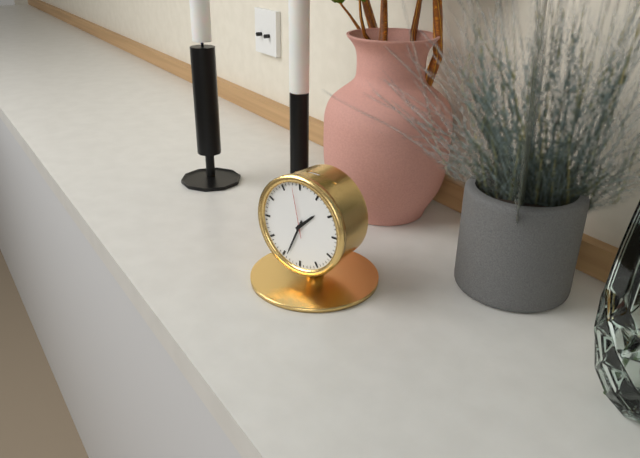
1:34:58
